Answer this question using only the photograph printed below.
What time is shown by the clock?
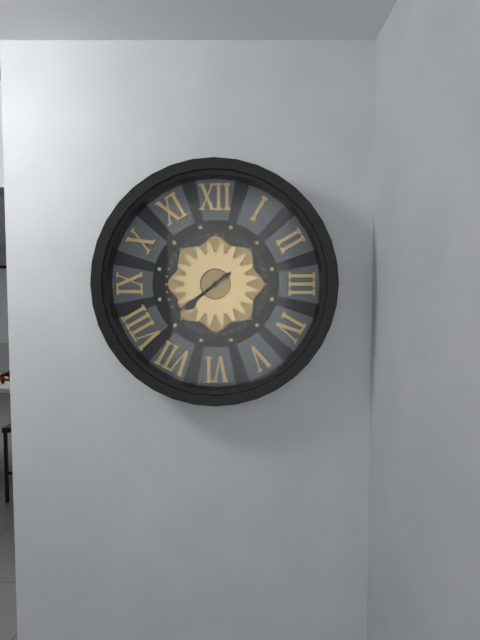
7:39
